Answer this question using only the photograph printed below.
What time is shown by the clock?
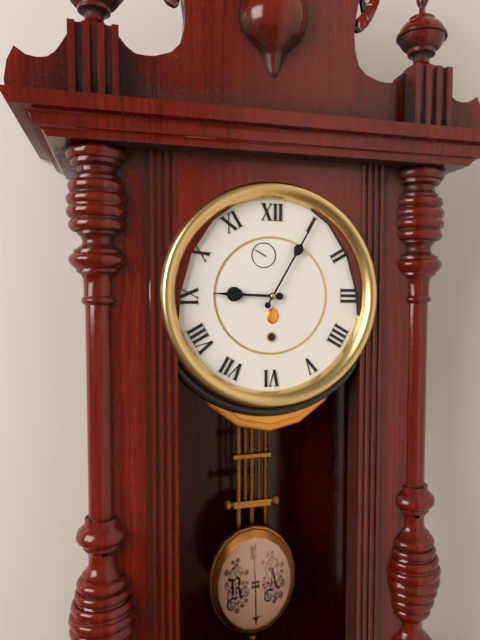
9:05
